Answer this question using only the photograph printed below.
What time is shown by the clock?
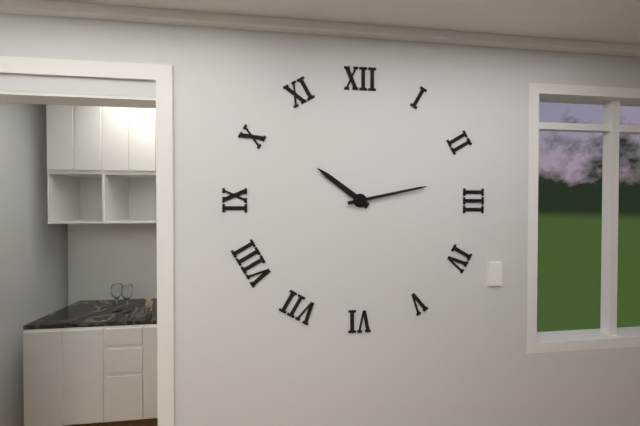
10:13
